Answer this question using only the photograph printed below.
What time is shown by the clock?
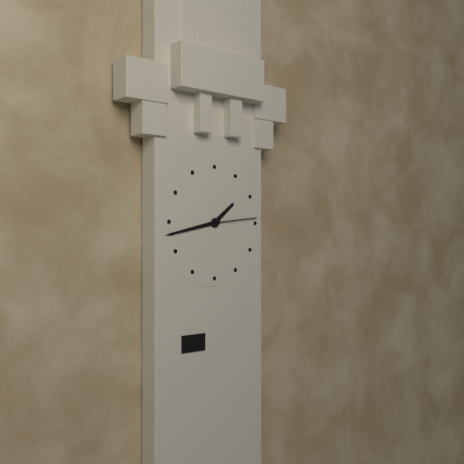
1:43:14
